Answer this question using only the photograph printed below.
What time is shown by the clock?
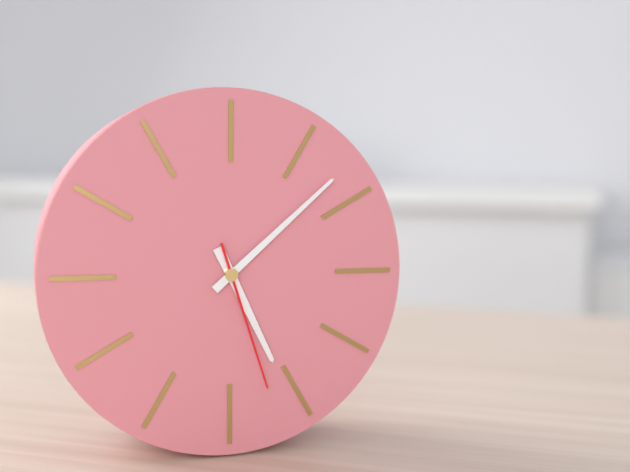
5:08:27
